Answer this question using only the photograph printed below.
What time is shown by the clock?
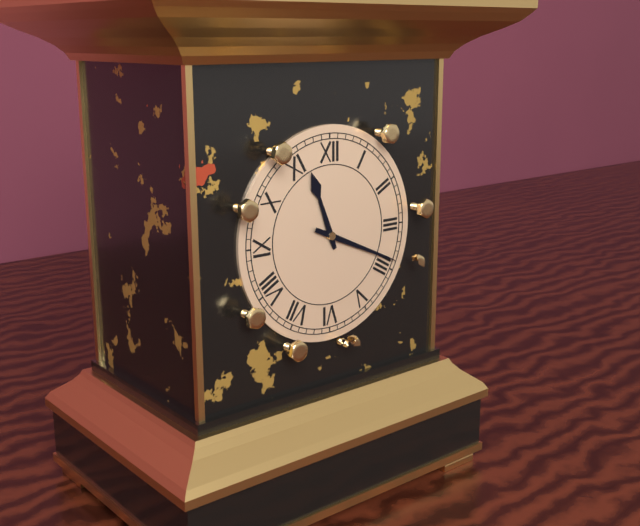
11:19
